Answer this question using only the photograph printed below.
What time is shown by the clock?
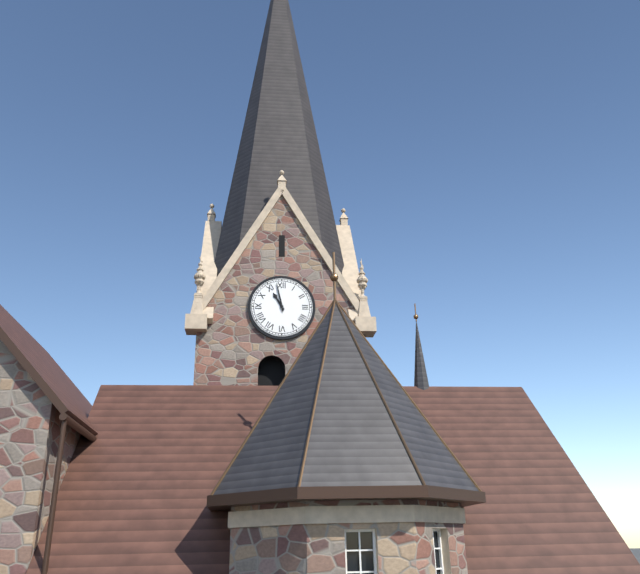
10:58
